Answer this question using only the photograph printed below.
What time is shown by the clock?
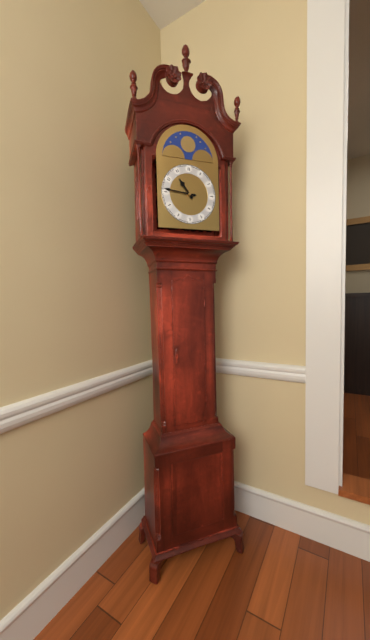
10:46
